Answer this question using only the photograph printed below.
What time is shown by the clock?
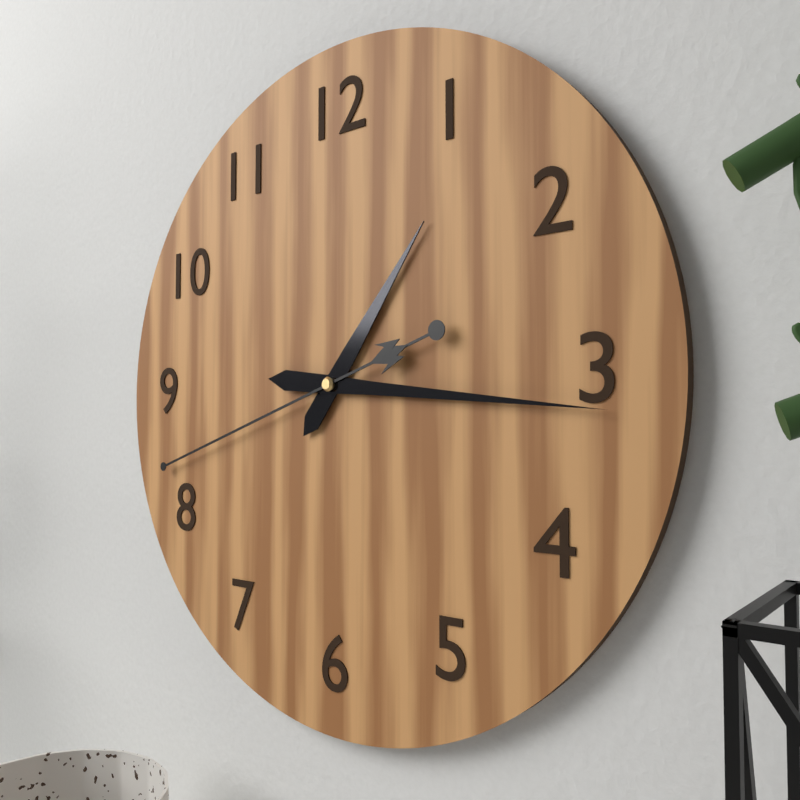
1:16:42
